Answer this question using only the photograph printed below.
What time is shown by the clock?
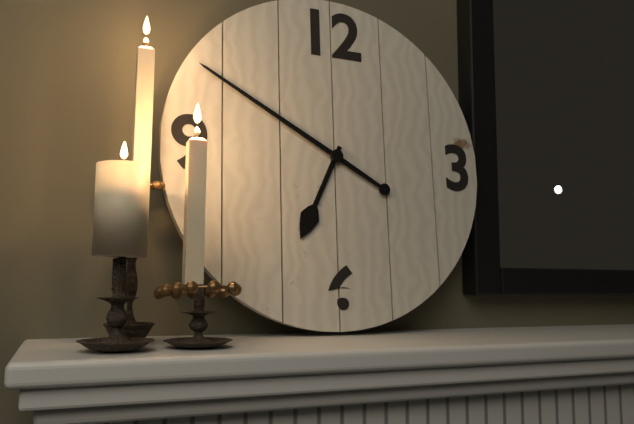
6:50
